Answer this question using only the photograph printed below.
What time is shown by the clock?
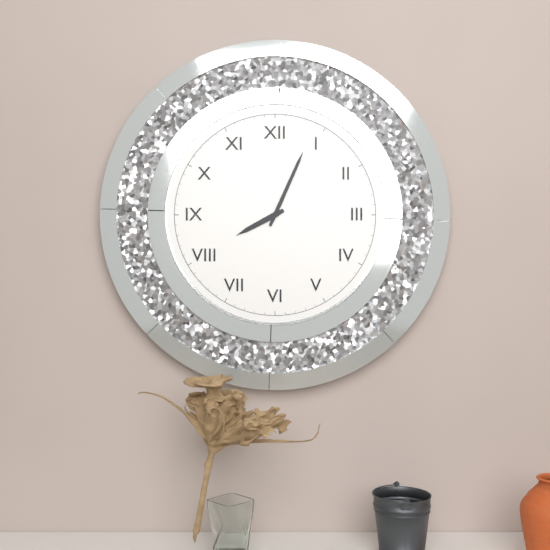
8:04
